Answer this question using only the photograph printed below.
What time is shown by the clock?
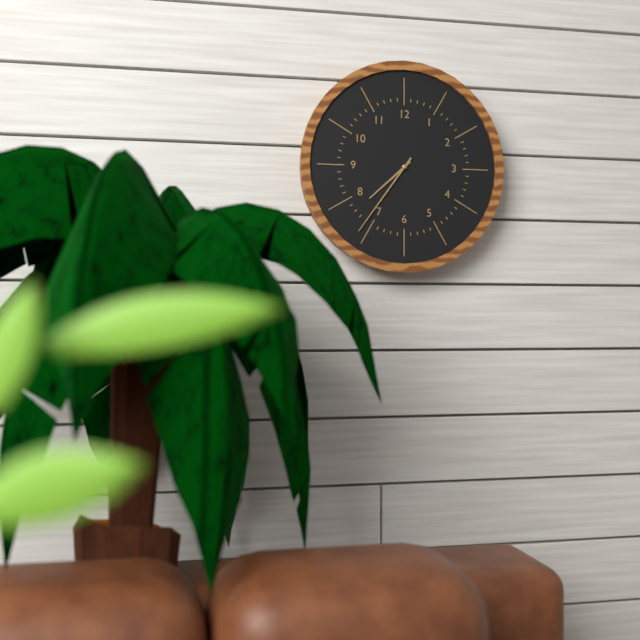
7:36
